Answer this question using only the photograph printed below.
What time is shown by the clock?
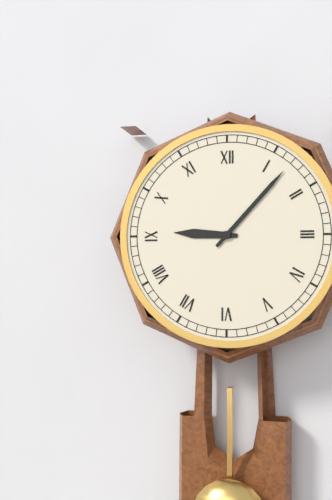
9:07
